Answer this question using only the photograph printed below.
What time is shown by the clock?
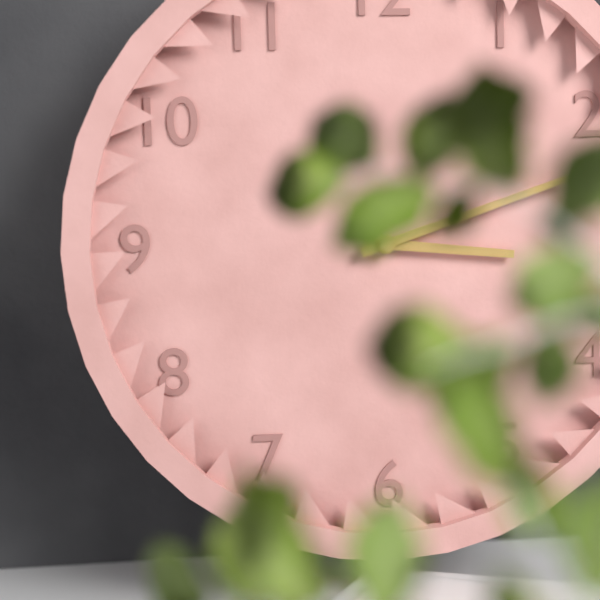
3:12
